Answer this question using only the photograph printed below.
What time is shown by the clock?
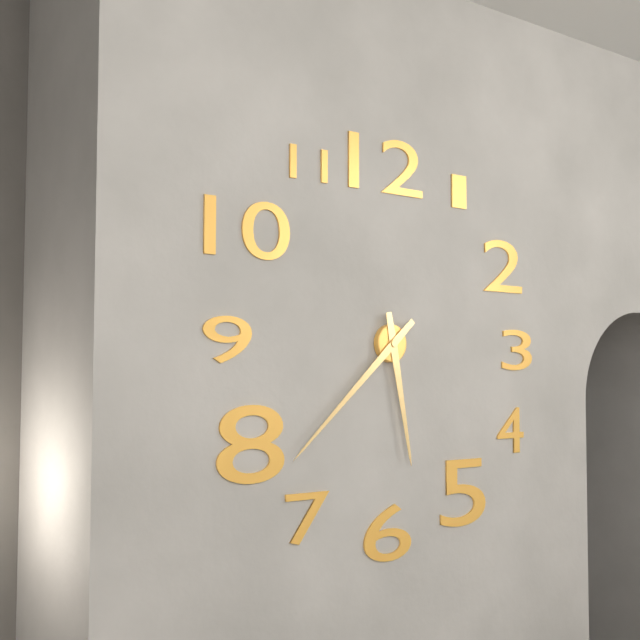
5:38
